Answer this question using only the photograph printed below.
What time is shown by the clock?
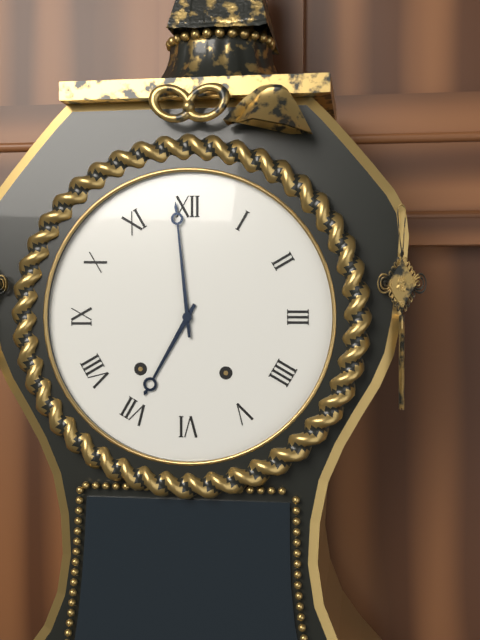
6:59
